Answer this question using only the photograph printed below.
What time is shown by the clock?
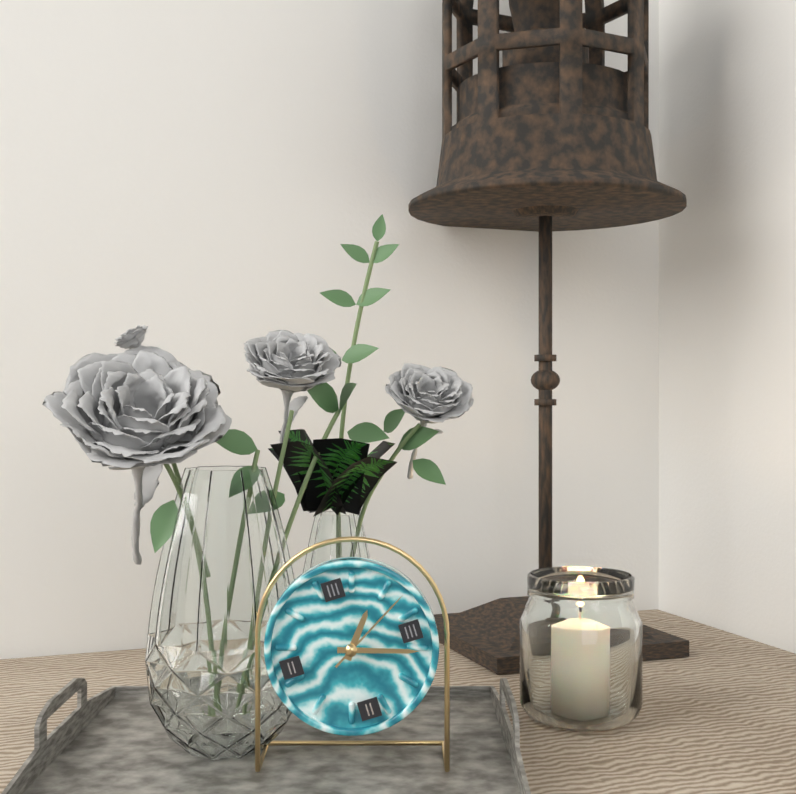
1:18:10
